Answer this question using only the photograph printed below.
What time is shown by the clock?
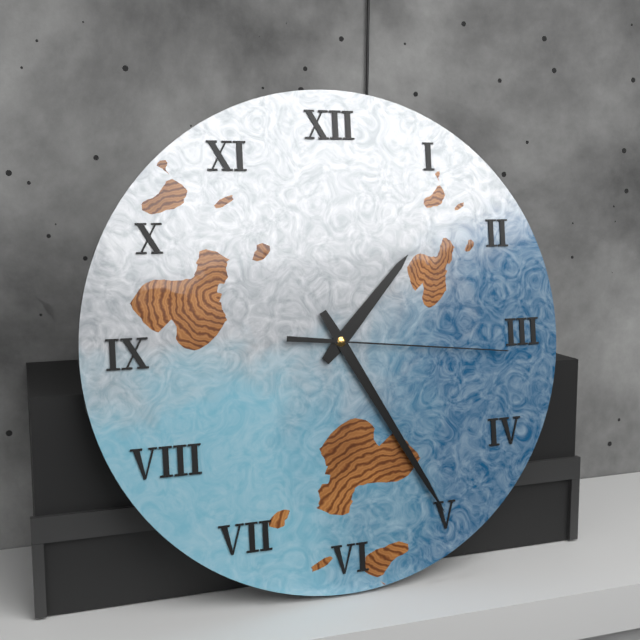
1:25:16
